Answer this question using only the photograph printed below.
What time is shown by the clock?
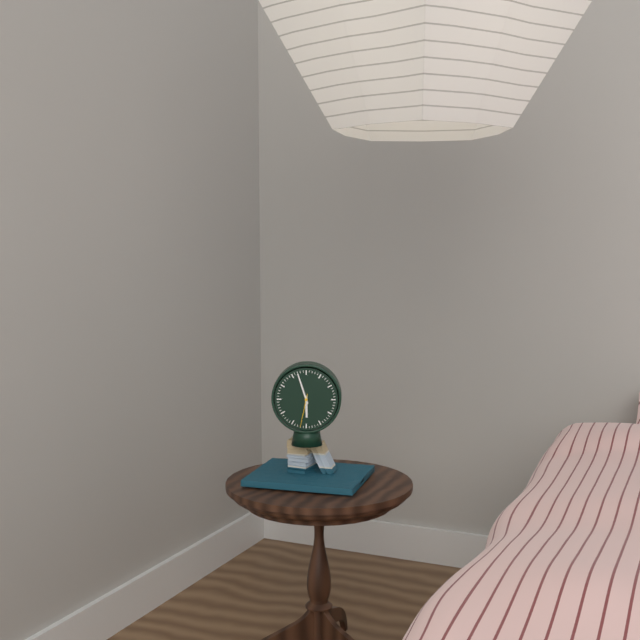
5:57
